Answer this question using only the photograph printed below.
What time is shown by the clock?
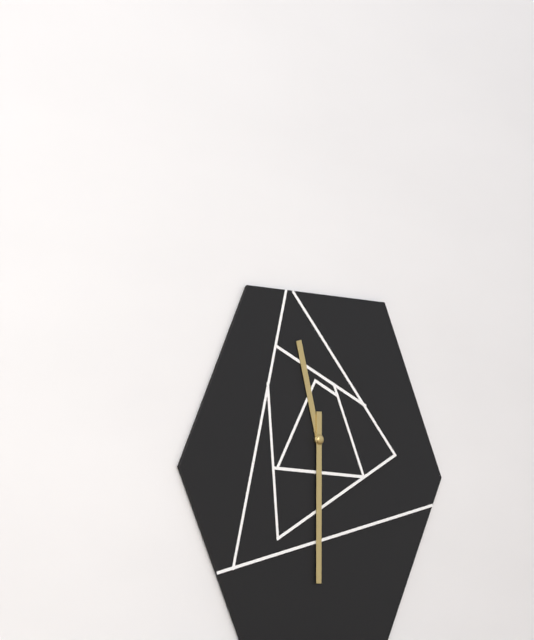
11:30
